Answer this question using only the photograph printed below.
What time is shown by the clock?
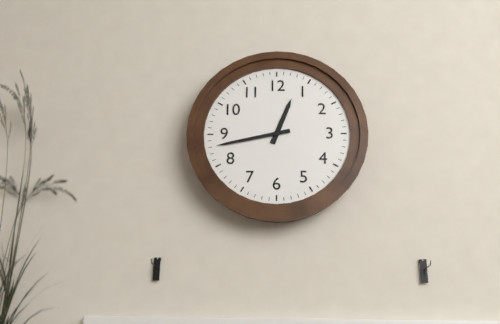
12:43
